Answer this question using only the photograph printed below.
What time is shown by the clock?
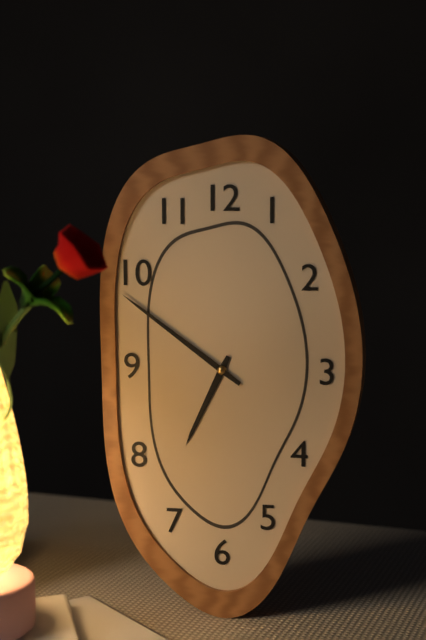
6:51
